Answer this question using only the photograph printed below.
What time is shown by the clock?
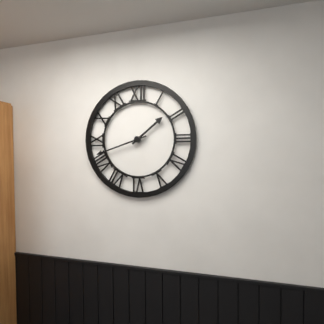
1:42
